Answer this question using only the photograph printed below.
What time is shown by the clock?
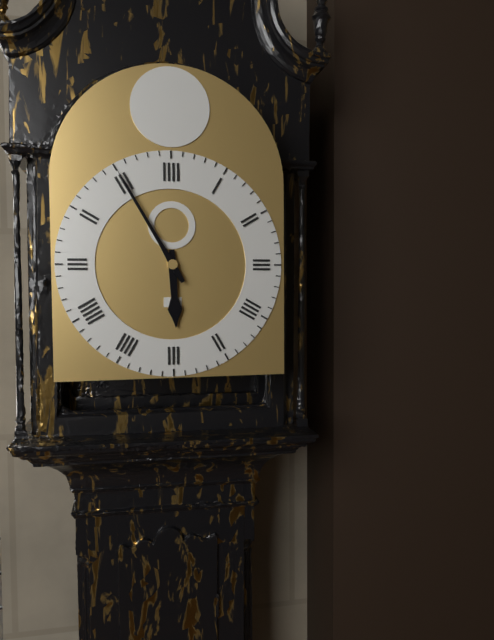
5:55
